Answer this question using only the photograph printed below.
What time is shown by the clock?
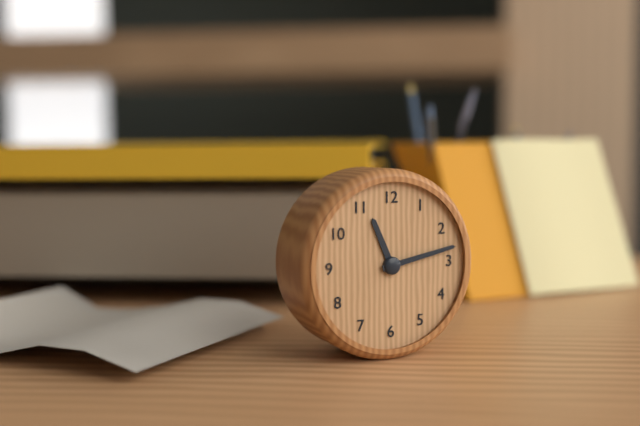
11:13
